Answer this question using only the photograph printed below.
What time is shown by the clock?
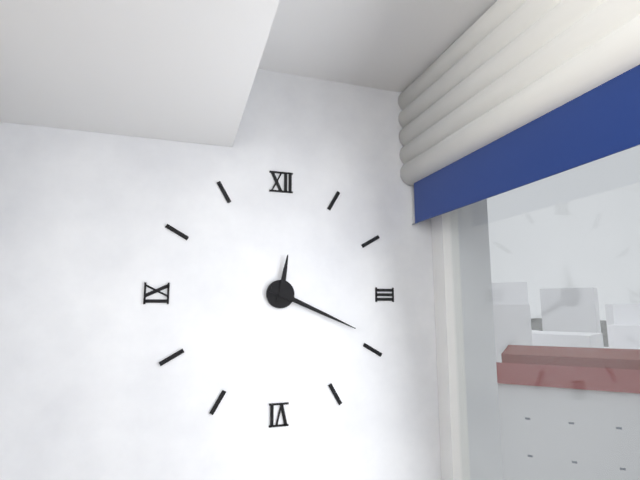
12:19
